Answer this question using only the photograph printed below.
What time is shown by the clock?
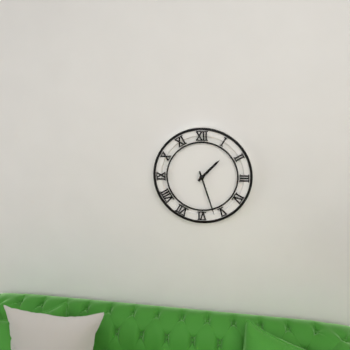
1:27
